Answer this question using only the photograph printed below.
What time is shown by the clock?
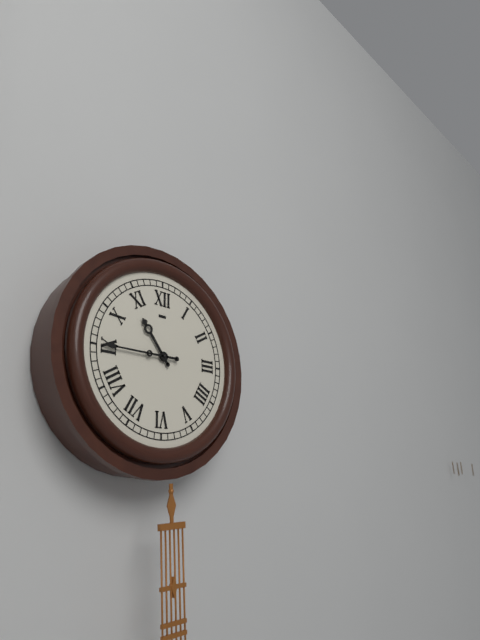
10:45
